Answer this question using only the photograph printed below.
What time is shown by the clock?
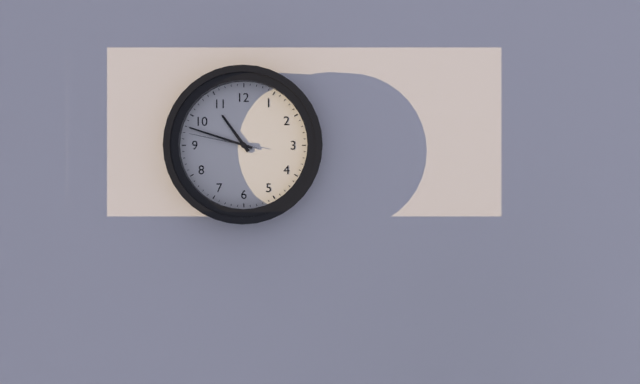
10:48:47
